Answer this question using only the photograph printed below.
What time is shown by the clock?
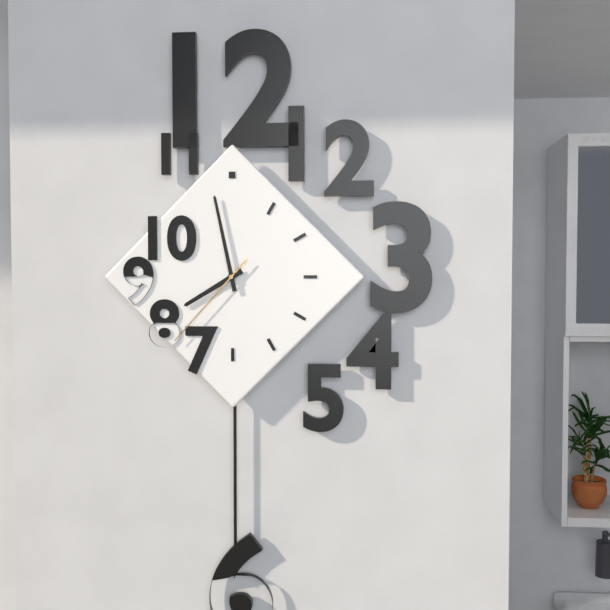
7:58:37
